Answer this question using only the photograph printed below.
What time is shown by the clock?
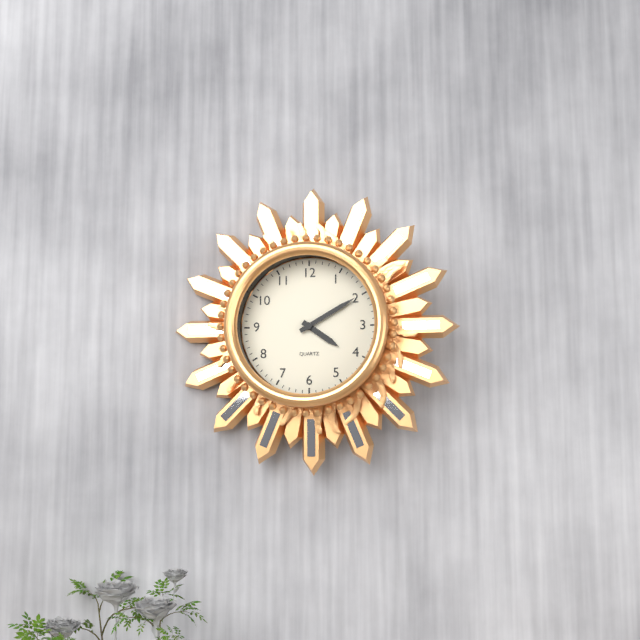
4:10
